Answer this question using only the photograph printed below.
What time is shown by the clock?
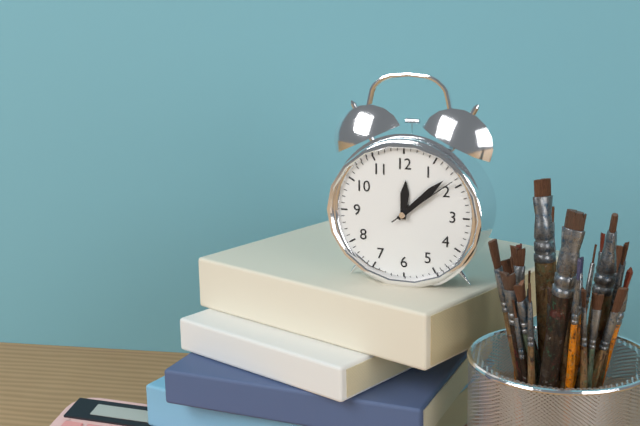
12:08:09
